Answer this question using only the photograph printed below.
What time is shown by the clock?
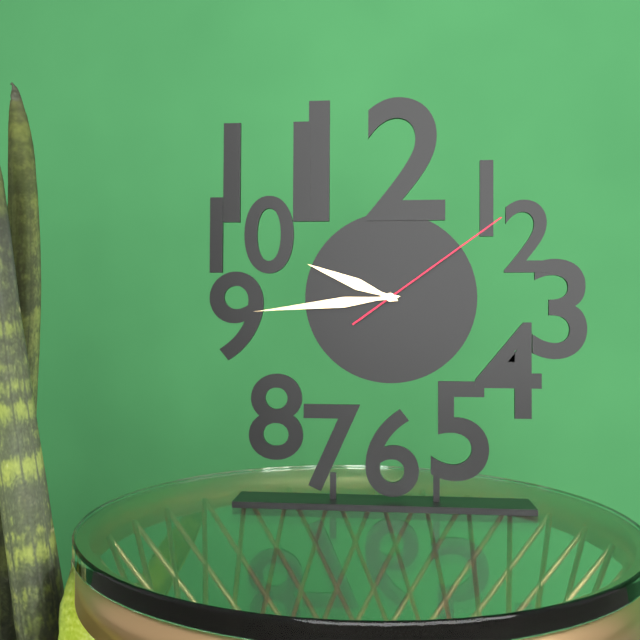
9:44:09
